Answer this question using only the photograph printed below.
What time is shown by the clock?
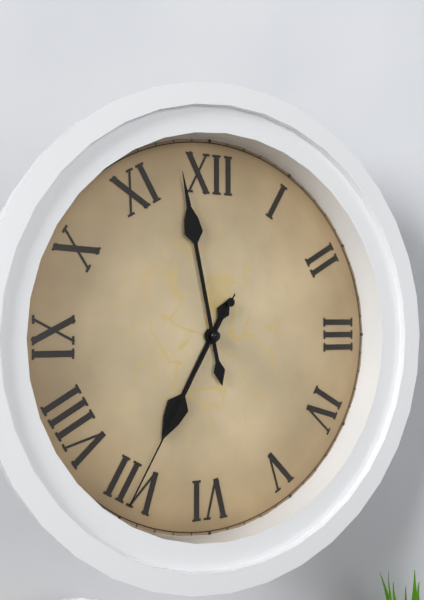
6:58:35
